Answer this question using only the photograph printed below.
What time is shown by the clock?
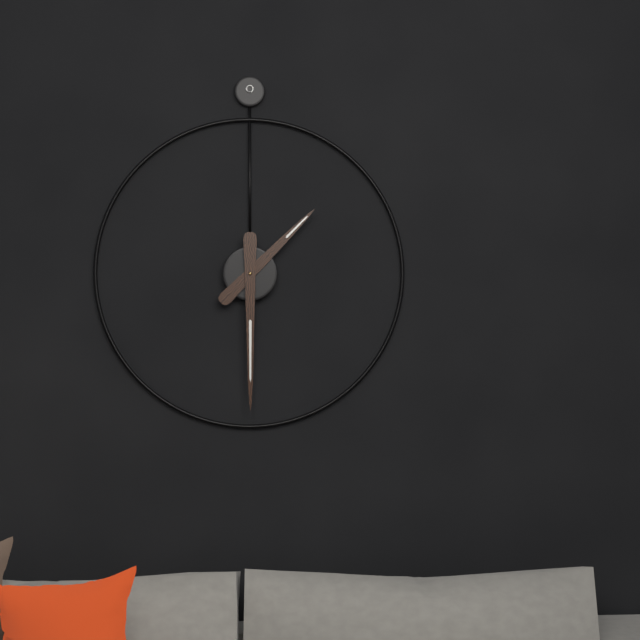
1:30
